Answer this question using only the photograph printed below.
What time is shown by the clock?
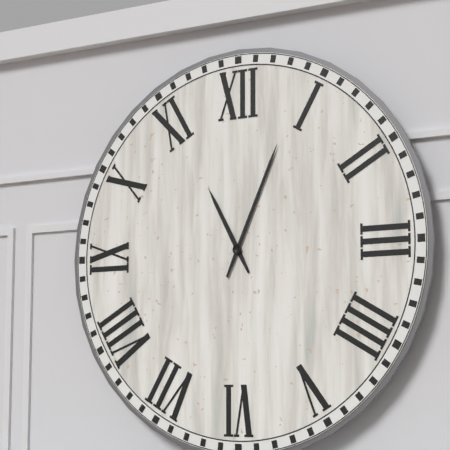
11:04
